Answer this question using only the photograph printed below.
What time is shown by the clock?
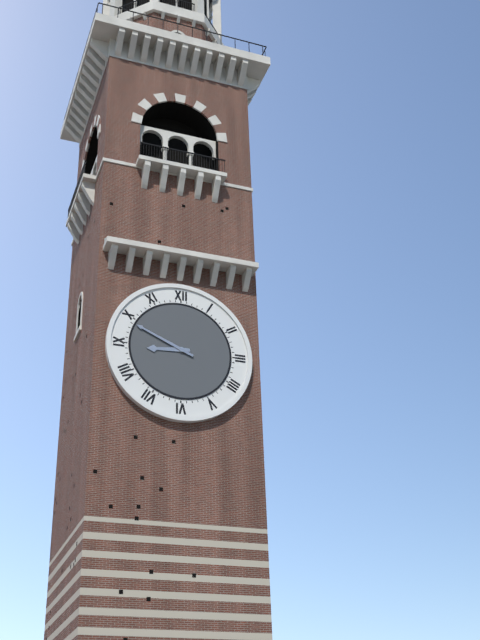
8:49
